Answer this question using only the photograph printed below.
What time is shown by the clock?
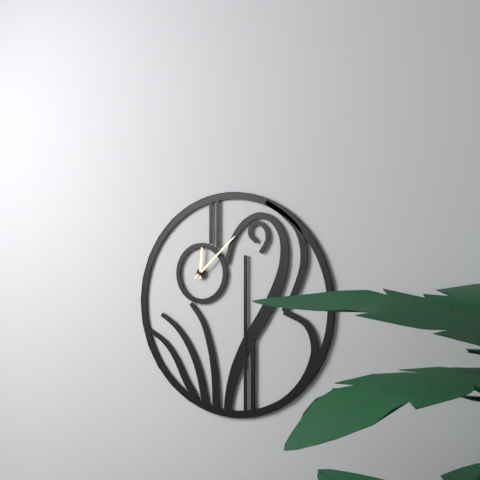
12:08
